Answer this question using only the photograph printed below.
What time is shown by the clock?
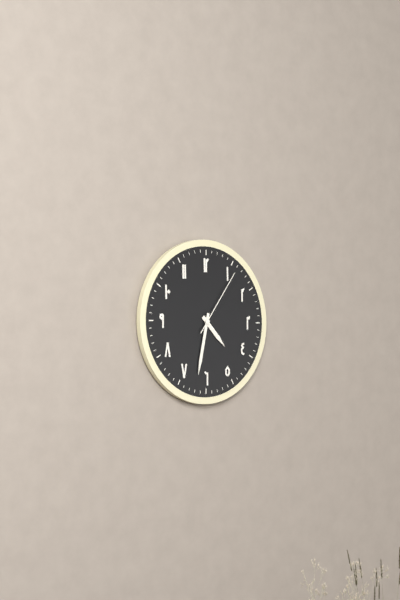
4:32:06
